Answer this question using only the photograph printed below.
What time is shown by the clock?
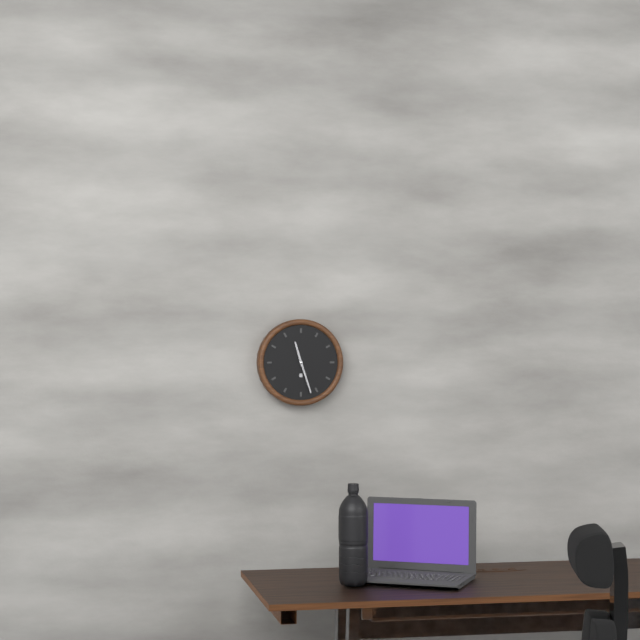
11:27
